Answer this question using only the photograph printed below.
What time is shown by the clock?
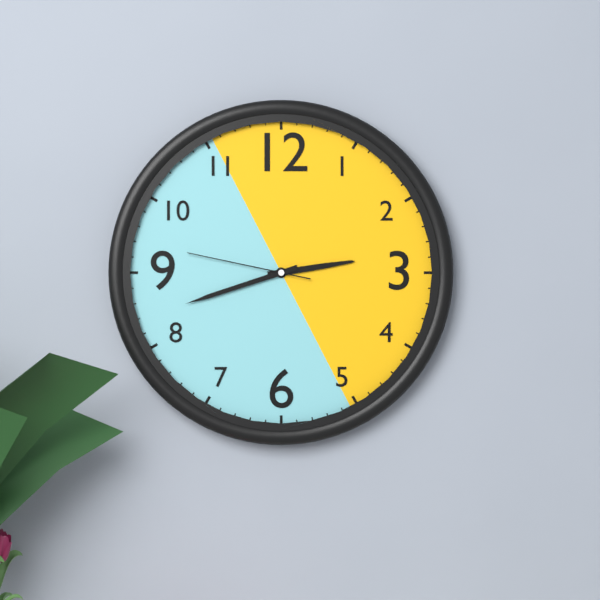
2:42:47
